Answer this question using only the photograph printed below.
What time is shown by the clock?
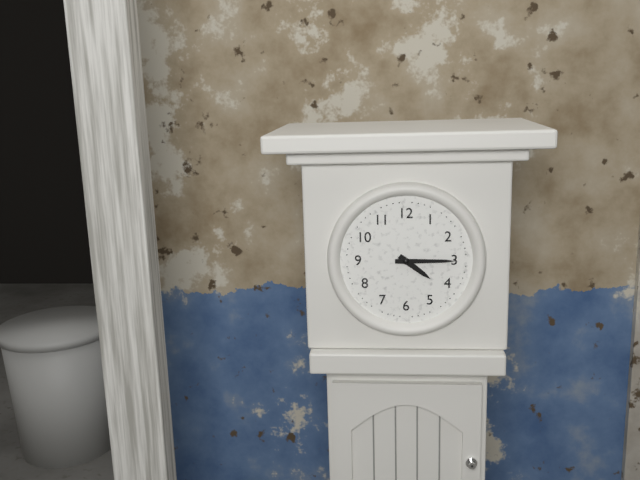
4:15
